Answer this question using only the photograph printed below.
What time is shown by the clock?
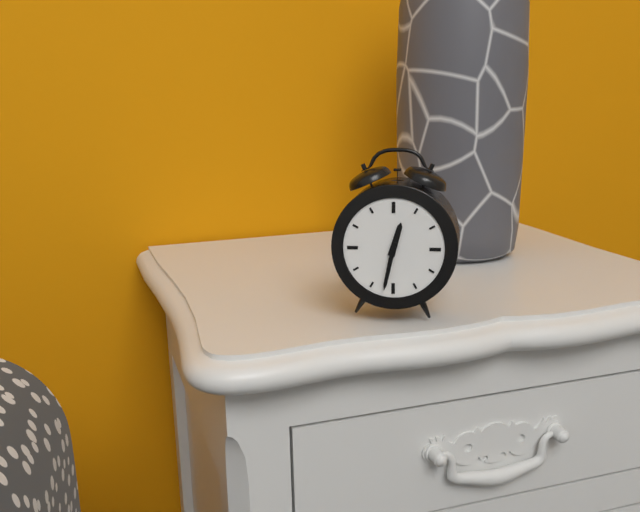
12:32
